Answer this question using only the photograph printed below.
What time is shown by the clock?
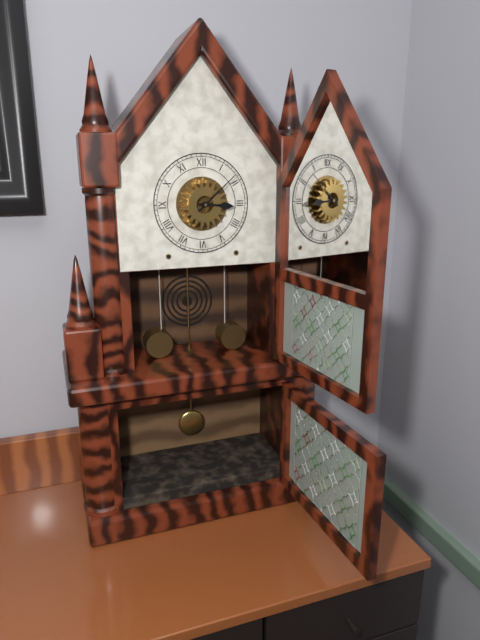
3:08
